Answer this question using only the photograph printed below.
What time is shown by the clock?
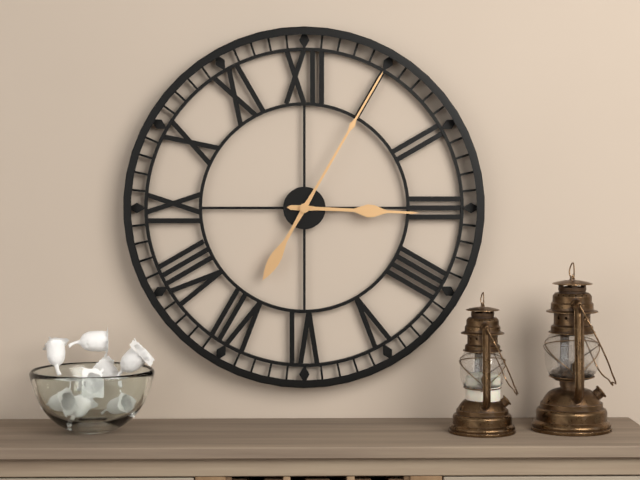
3:05
